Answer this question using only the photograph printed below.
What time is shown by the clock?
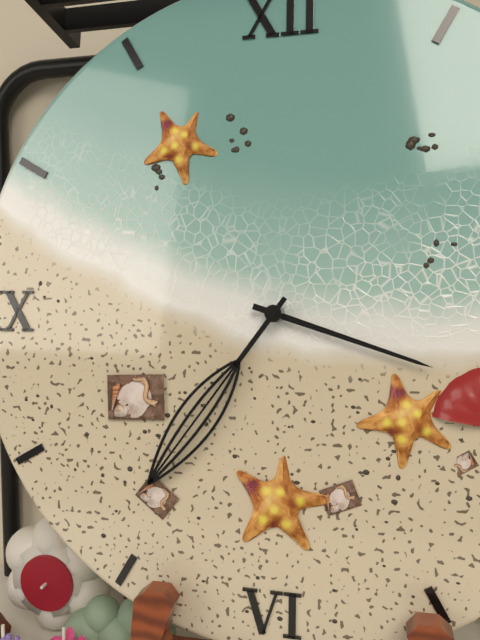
3:36
